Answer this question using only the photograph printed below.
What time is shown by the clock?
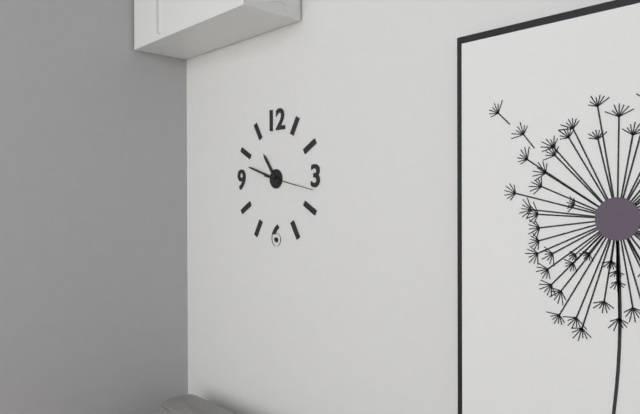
10:48
